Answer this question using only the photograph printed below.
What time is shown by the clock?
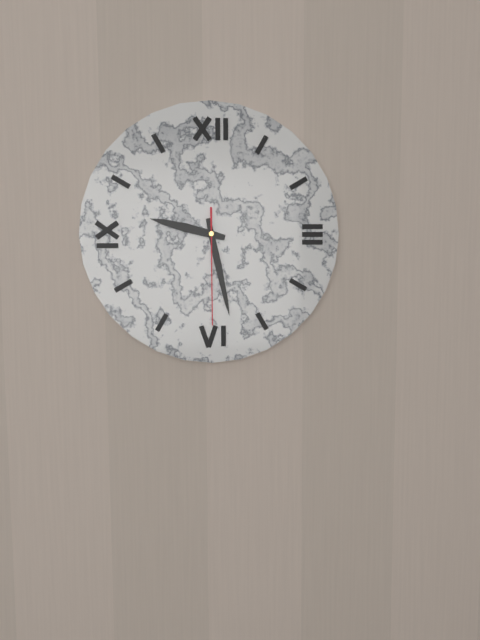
9:28:30
